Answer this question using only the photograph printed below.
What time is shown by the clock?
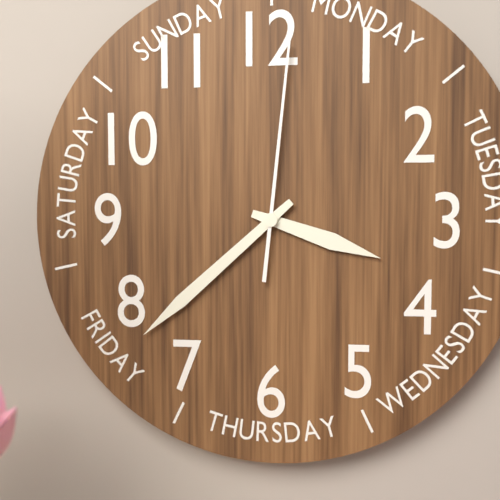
3:38:01
